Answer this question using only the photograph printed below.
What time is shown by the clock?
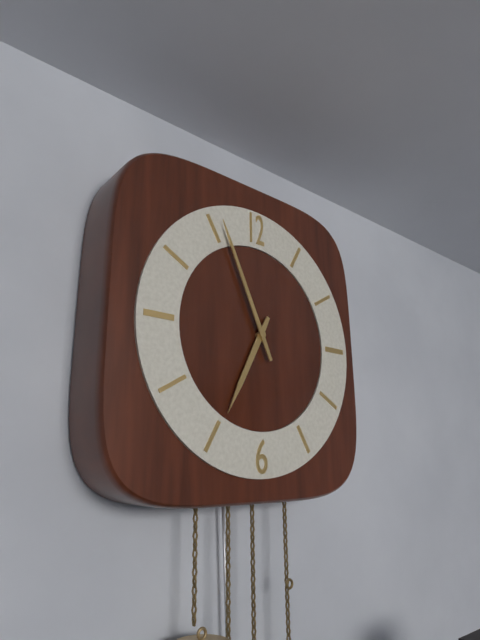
6:56
